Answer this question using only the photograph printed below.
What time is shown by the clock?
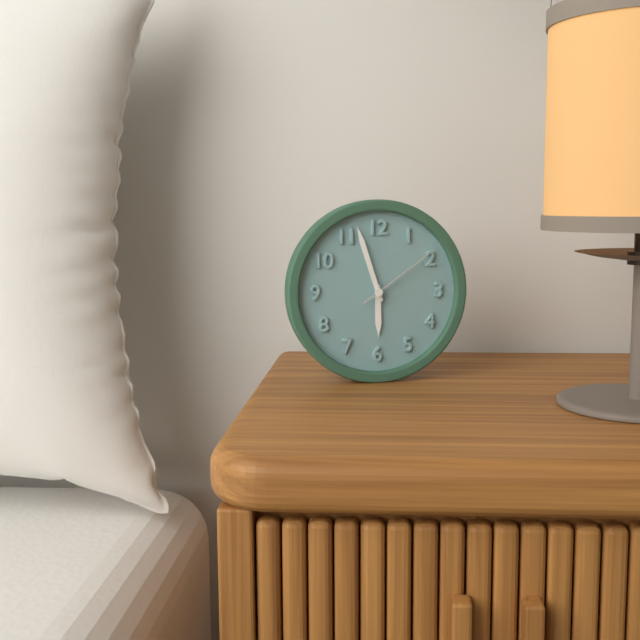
5:57:09
